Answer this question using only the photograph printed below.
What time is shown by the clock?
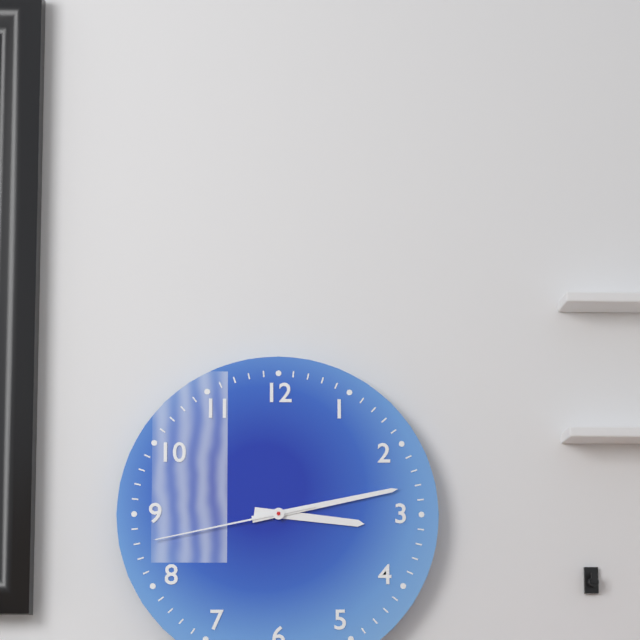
3:13:43
